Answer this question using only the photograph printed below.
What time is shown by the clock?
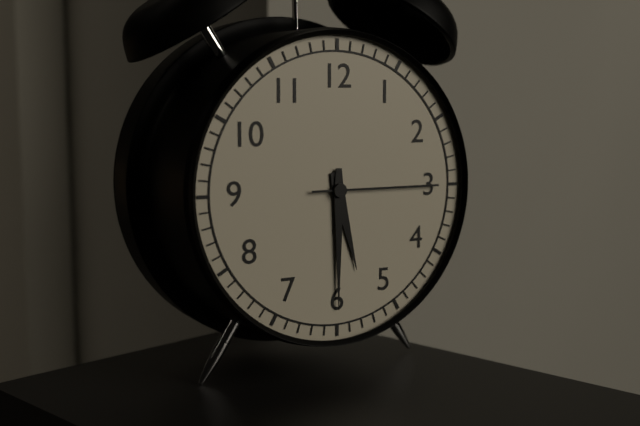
5:30:15
